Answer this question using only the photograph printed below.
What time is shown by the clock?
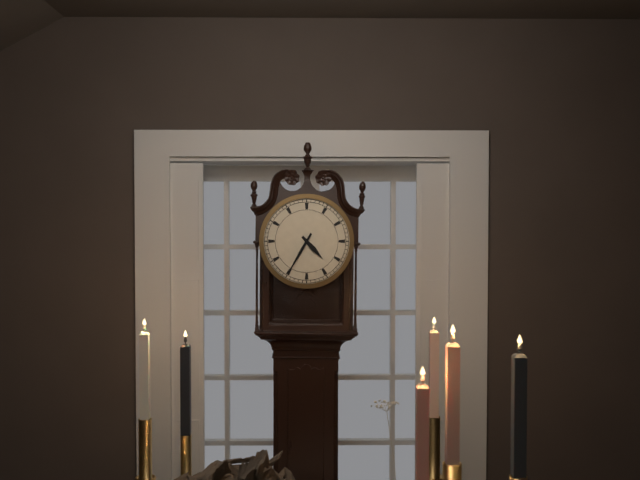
4:35
